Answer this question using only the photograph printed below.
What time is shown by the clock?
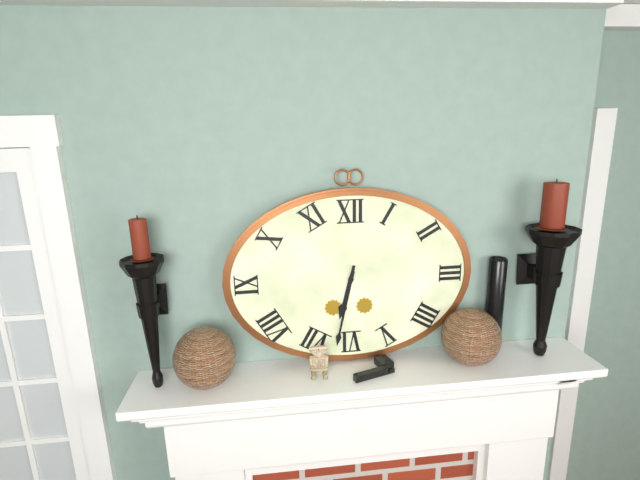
6:32
